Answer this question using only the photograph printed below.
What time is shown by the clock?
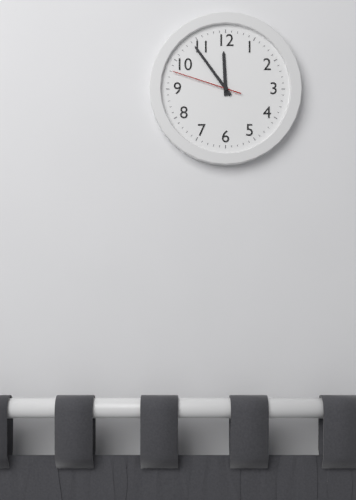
11:54:48
